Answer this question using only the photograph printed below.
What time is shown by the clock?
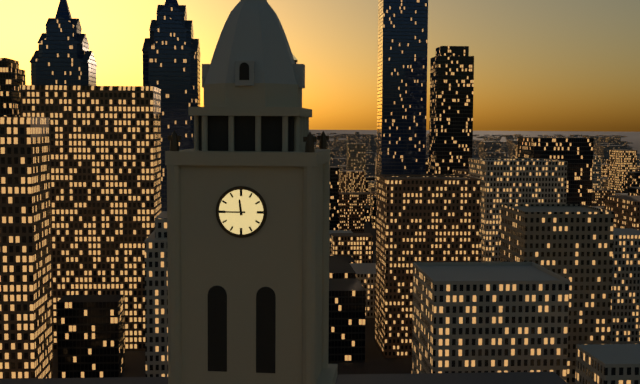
11:45
